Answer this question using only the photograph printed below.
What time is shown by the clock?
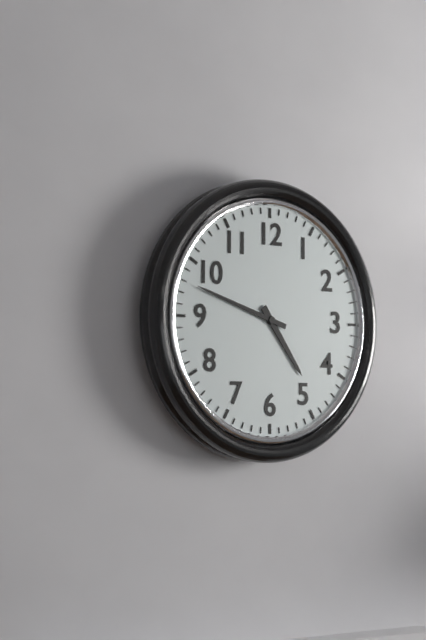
4:48
